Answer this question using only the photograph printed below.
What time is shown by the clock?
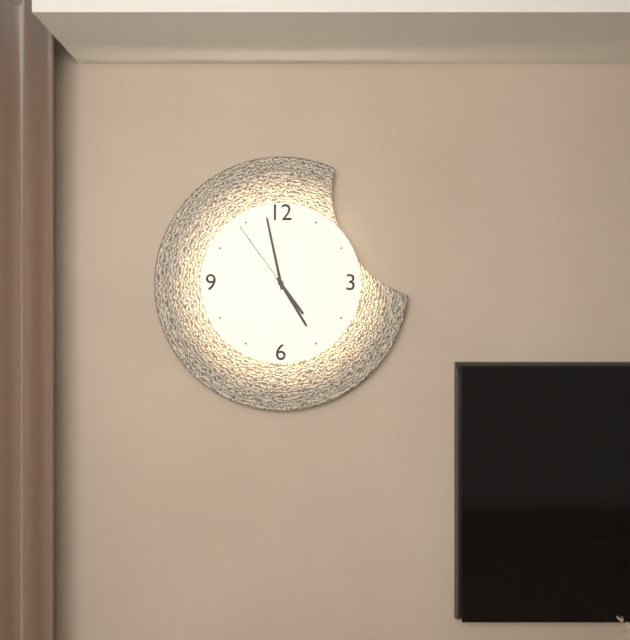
4:58:54
